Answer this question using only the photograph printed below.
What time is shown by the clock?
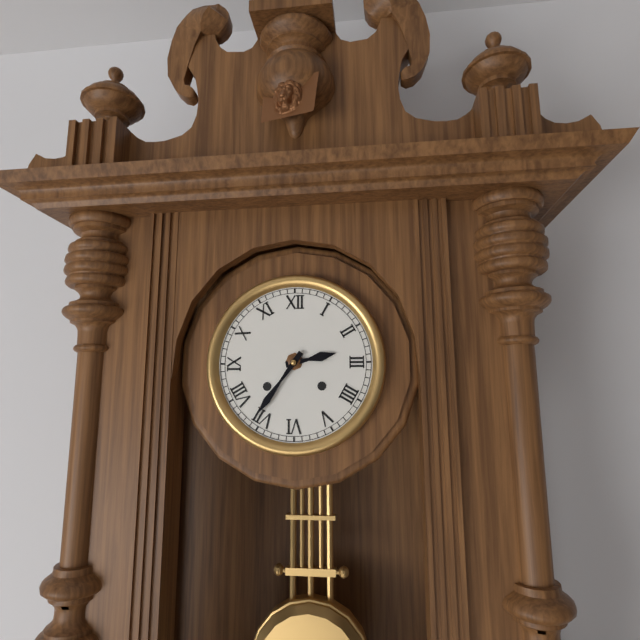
2:36
